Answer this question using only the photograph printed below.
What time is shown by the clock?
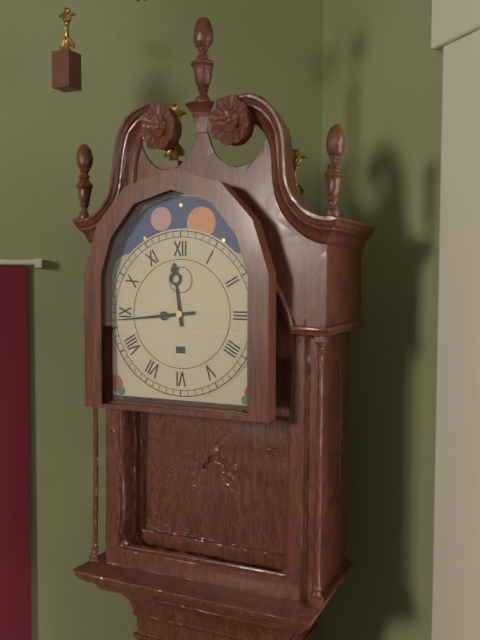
11:44
